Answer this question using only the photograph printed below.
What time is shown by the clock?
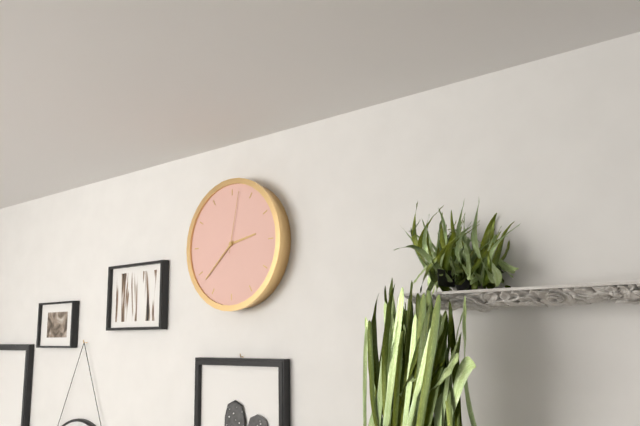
2:38:02
